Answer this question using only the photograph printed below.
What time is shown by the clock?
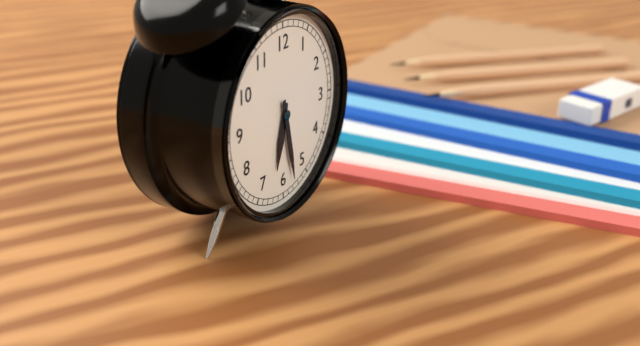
6:28
